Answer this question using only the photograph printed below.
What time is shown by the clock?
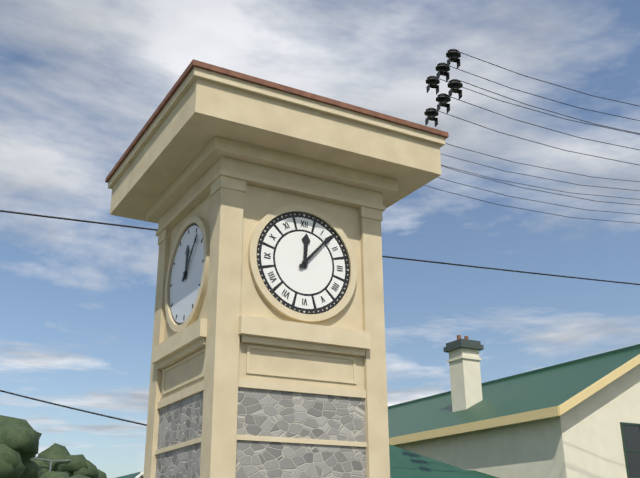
12:07
